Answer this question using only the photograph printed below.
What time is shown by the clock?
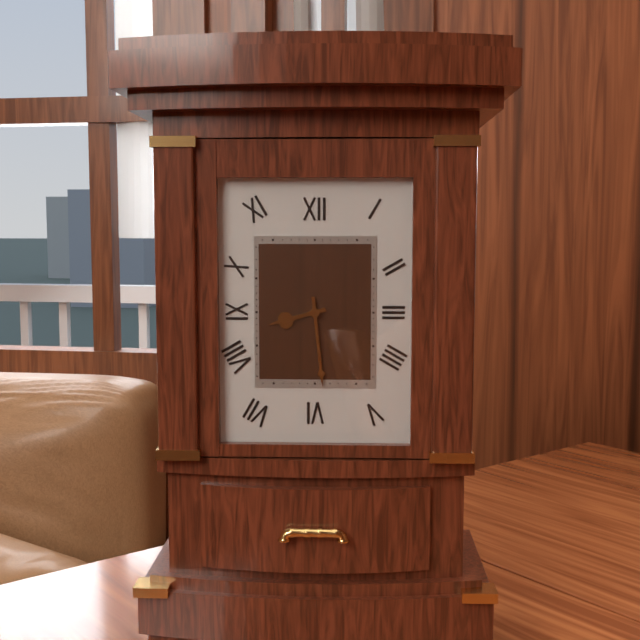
8:29
